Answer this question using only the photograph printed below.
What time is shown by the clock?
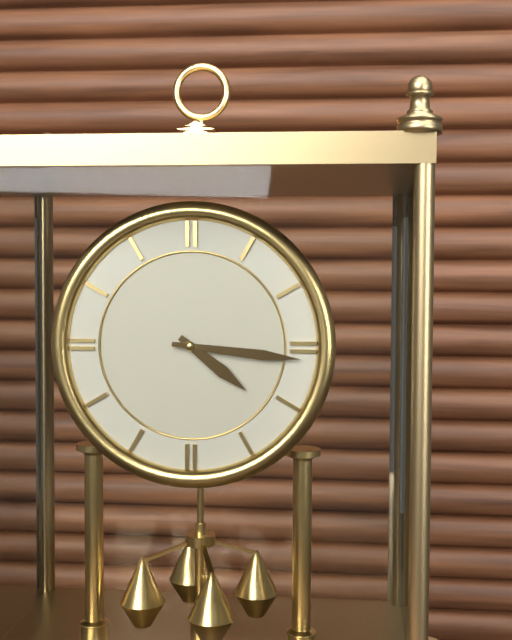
4:16
